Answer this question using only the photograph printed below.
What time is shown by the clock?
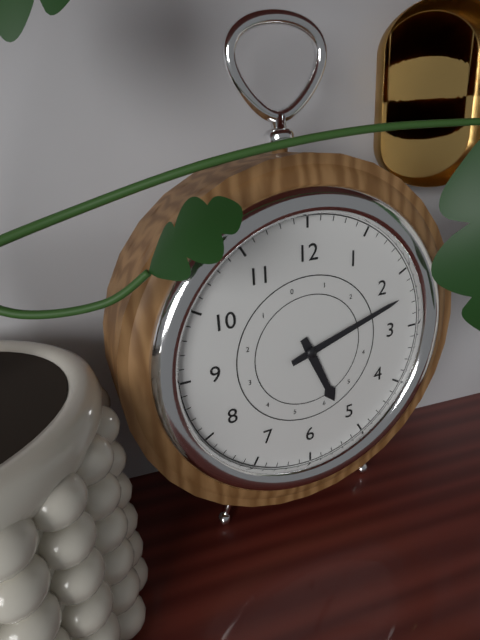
5:12
